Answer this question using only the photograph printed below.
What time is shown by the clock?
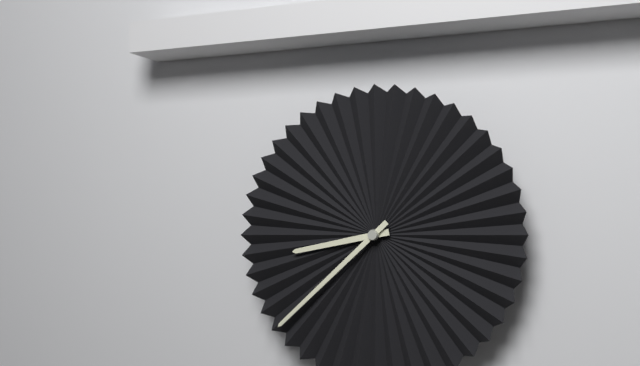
8:38
